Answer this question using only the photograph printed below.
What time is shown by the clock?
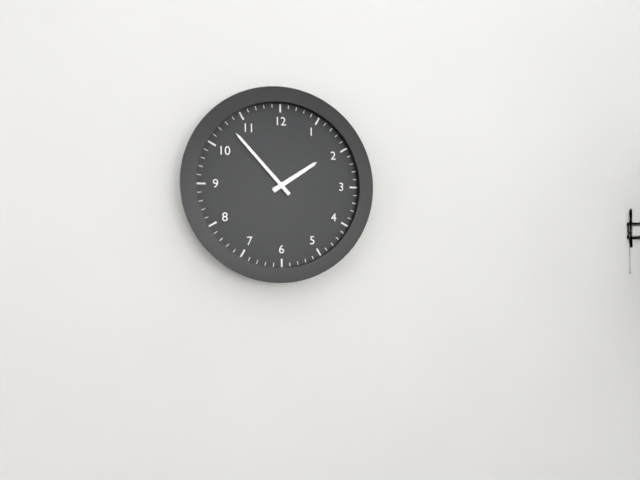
1:53
